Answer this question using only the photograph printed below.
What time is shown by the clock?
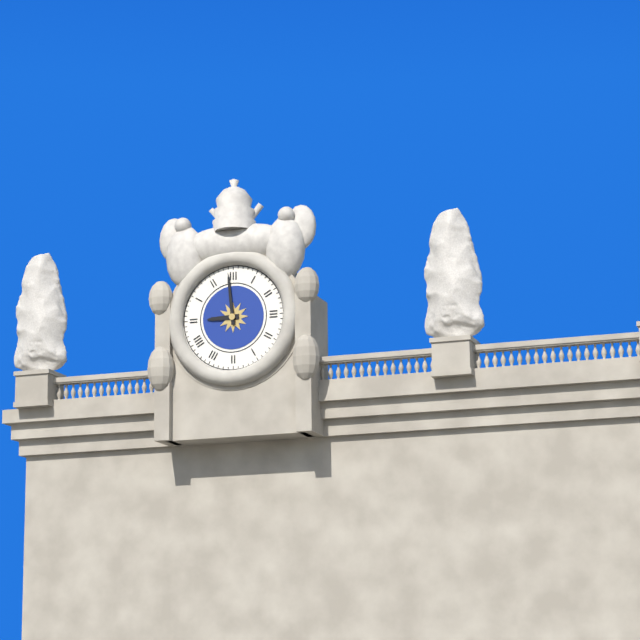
8:59
